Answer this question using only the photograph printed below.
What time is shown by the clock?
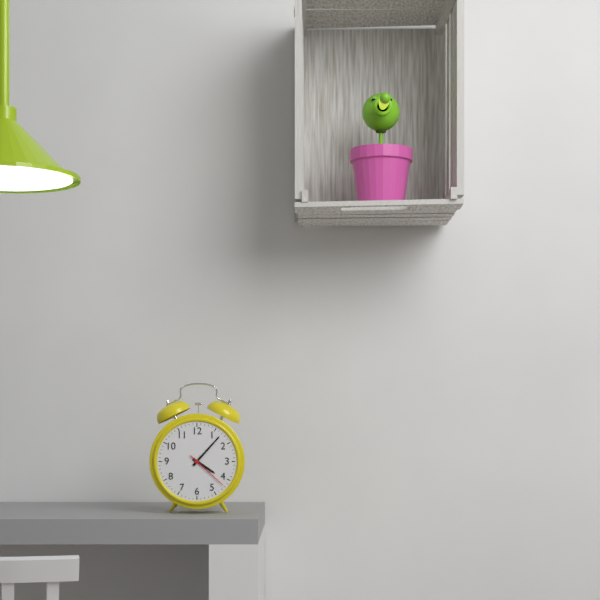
4:07
